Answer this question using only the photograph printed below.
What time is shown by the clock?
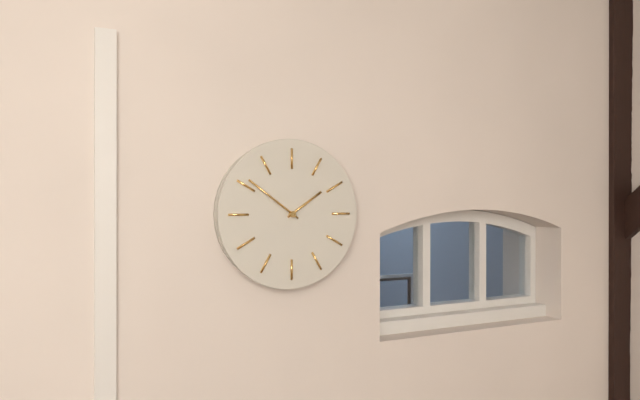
1:51
